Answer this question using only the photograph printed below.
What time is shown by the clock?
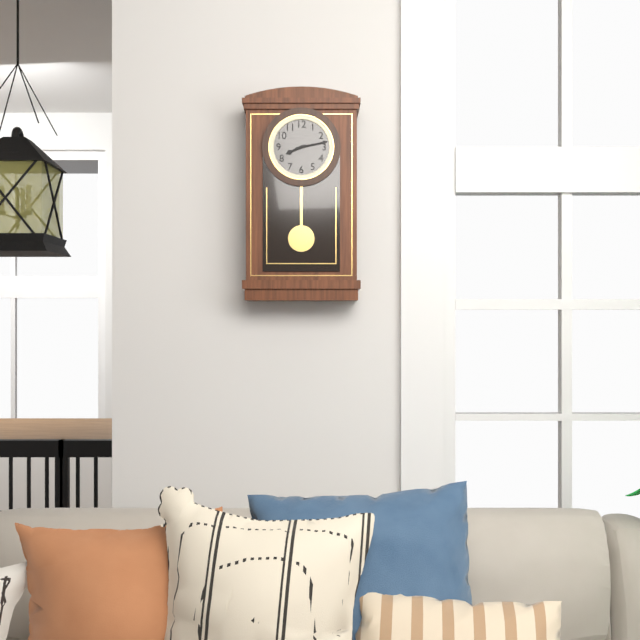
8:13
